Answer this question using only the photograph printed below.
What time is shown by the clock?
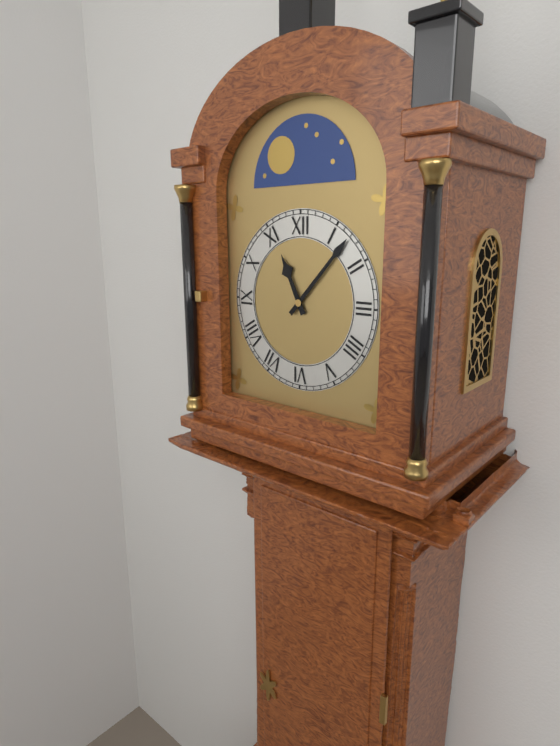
11:07
